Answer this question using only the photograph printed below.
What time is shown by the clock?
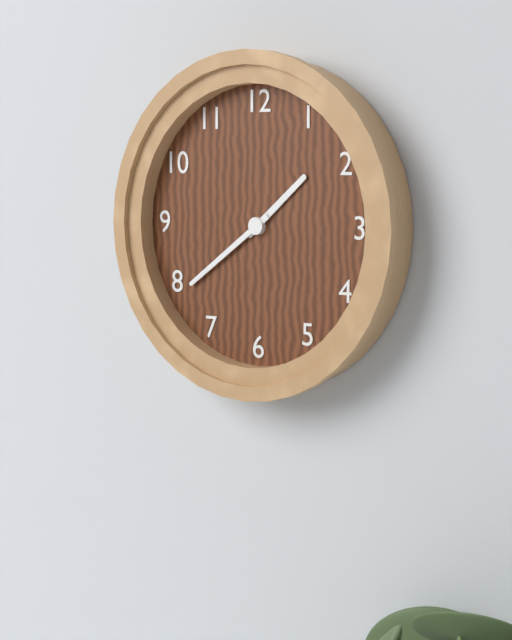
1:39
